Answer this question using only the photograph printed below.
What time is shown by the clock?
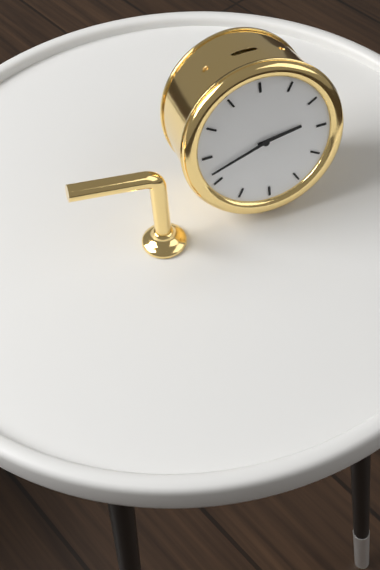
2:42
